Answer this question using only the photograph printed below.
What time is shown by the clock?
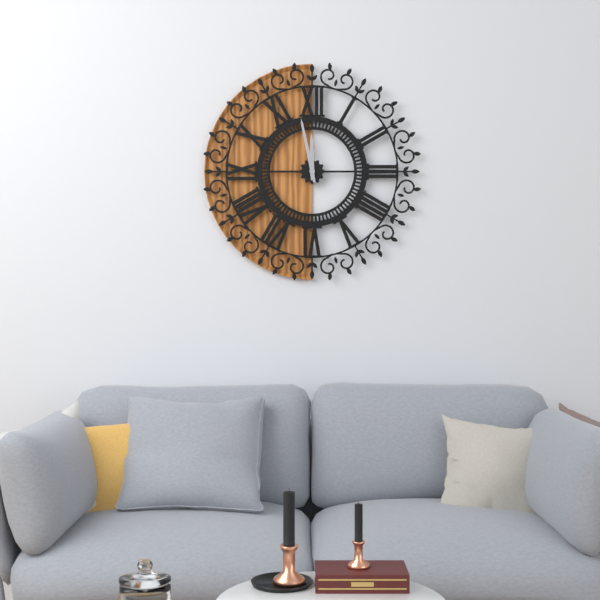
11:58
